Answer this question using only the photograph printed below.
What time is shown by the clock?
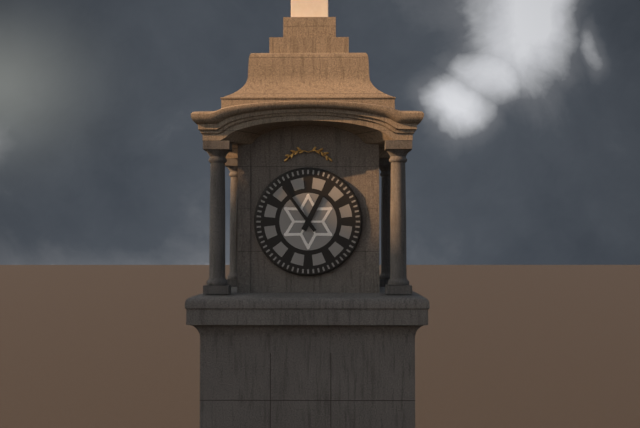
12:54
